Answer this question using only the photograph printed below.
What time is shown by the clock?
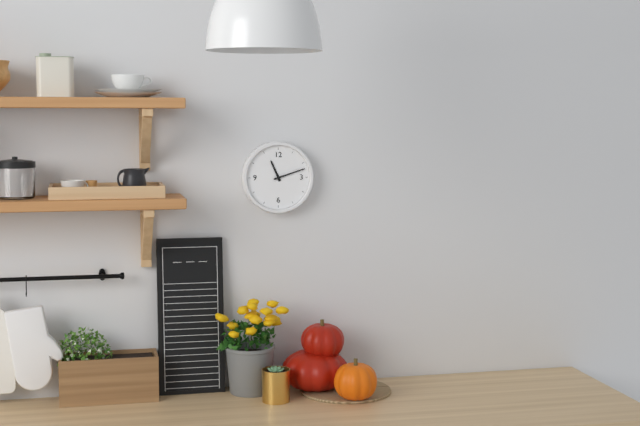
11:12
